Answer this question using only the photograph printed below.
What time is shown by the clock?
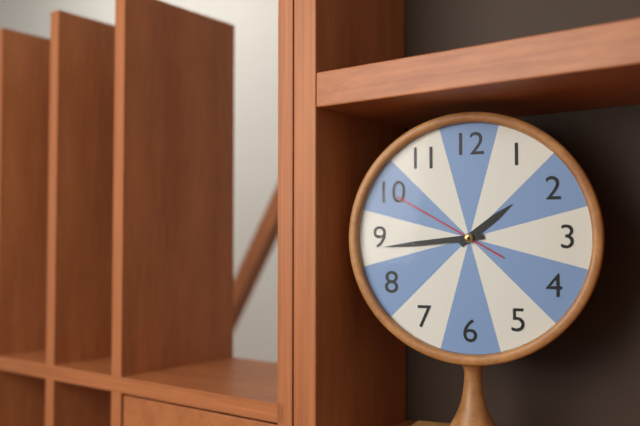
1:44:50
